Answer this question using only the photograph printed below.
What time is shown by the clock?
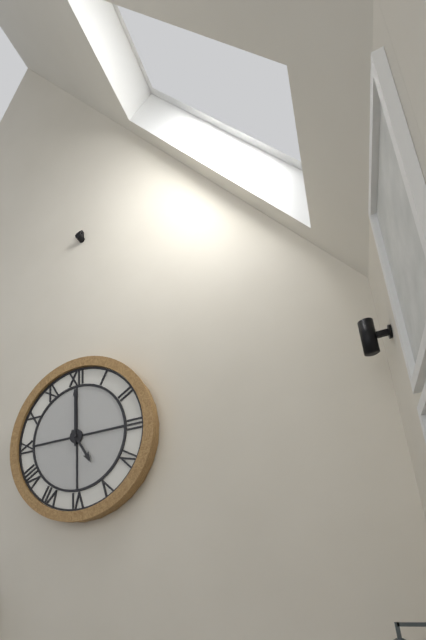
5:00
